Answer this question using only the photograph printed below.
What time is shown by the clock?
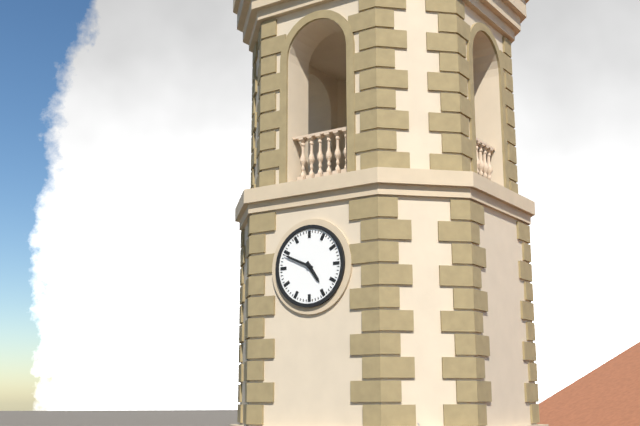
4:49
